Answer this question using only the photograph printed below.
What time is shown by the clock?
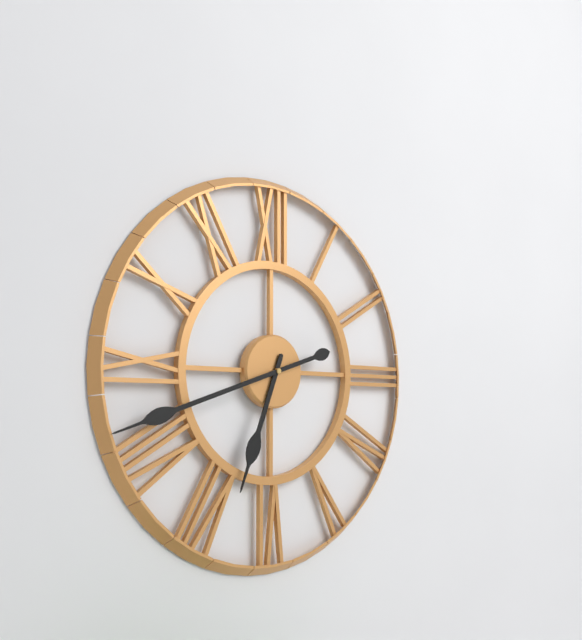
6:42
